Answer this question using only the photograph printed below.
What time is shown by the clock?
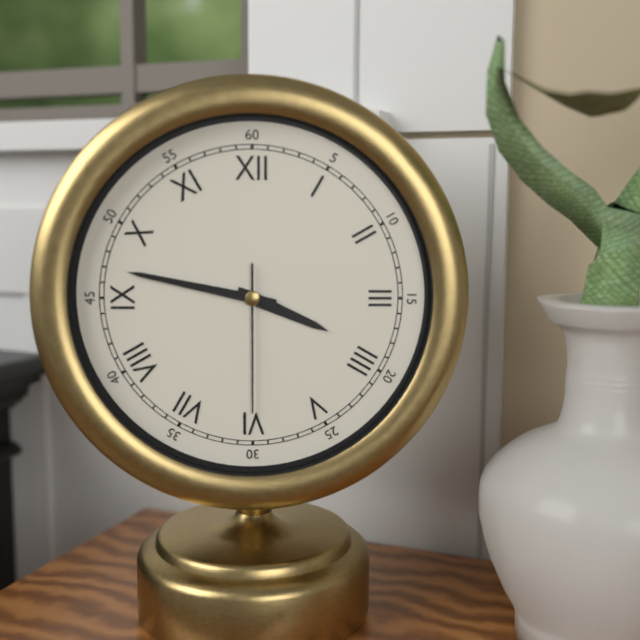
3:47:30
